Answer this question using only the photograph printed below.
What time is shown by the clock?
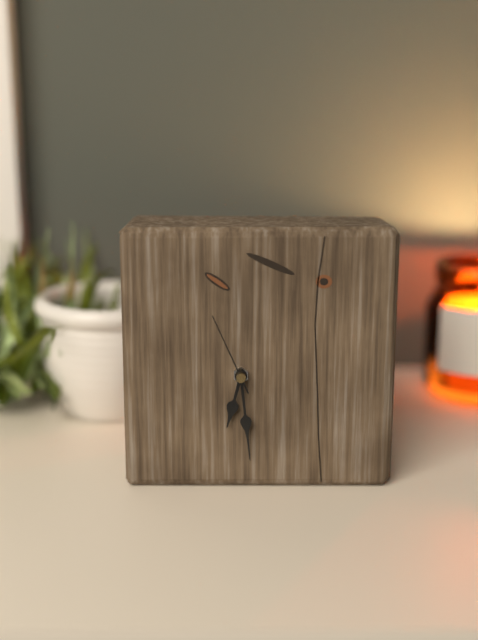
6:29:56
